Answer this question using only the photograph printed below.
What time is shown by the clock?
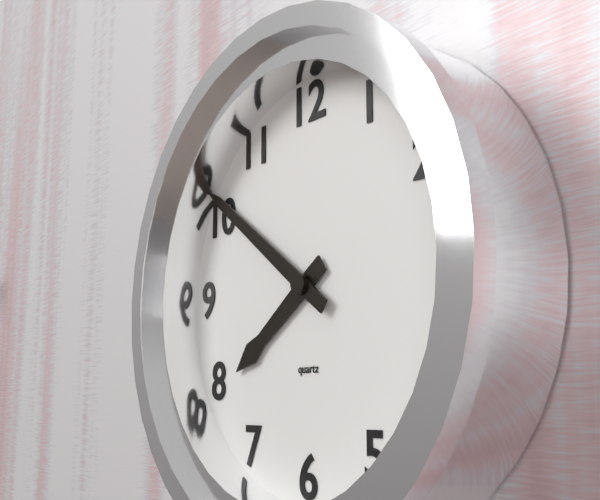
7:51
